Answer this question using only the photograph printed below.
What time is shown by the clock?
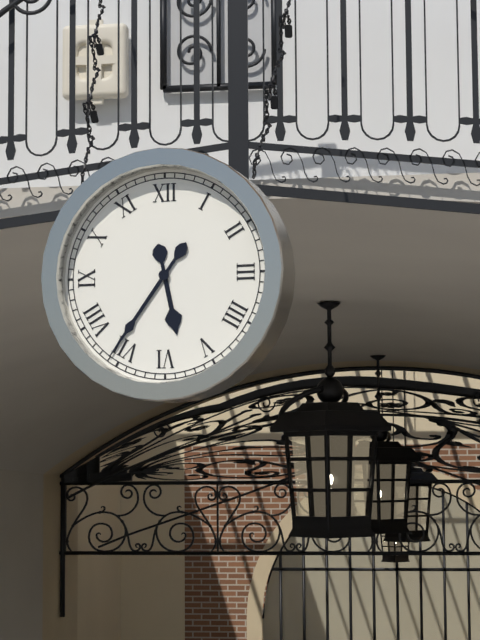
5:36
